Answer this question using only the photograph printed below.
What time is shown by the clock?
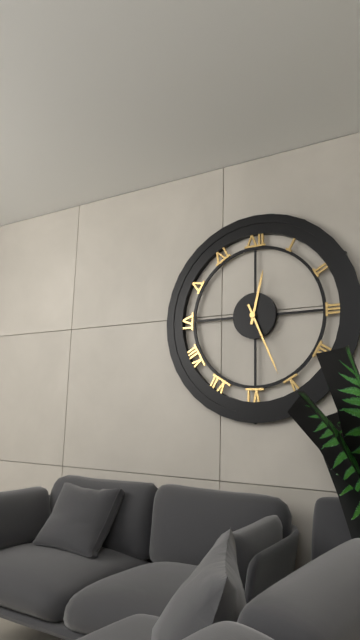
12:26
